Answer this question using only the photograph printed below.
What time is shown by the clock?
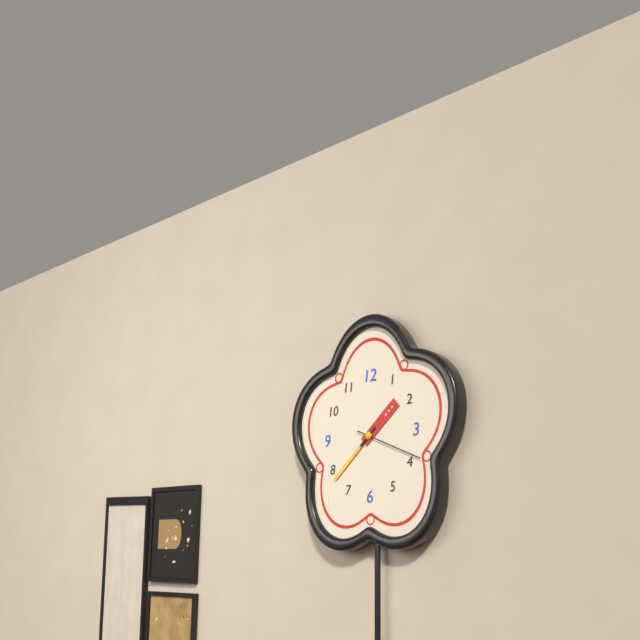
1:38:19
